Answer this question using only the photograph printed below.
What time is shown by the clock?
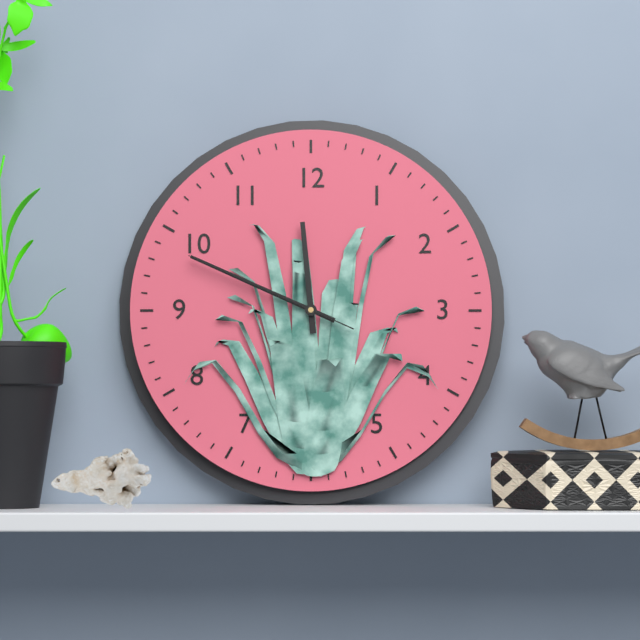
11:49:49
